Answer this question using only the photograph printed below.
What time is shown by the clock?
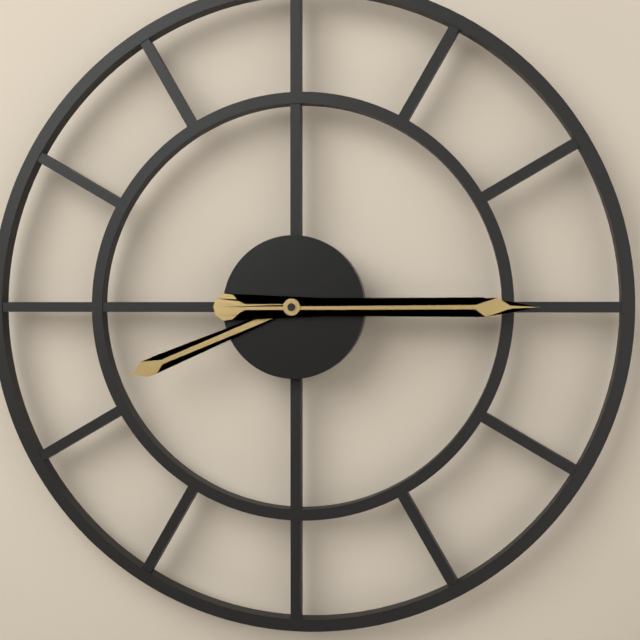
8:15
